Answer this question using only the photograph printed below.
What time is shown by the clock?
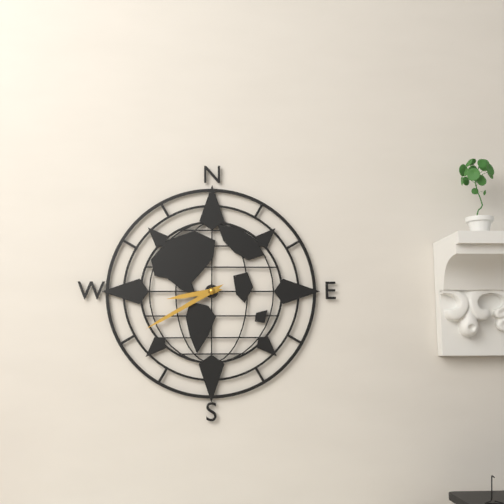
8:40
